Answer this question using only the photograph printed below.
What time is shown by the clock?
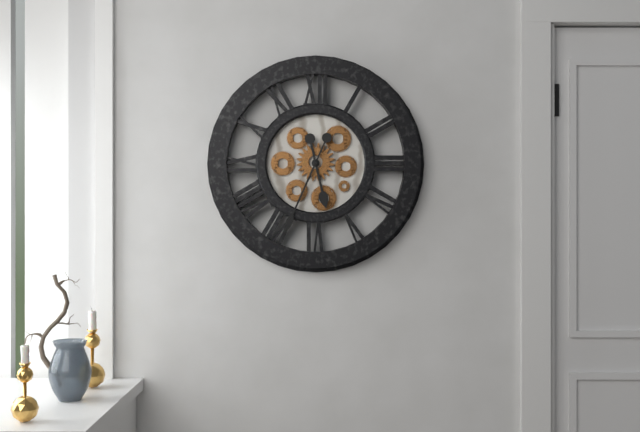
5:34
